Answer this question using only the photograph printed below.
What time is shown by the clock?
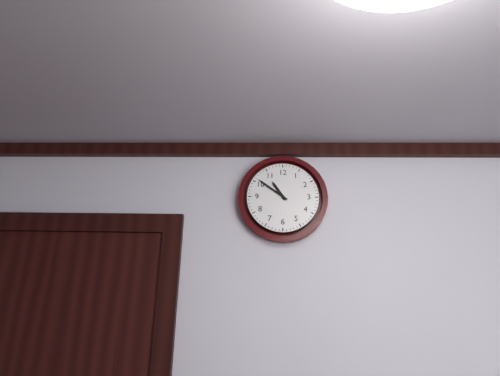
10:51
